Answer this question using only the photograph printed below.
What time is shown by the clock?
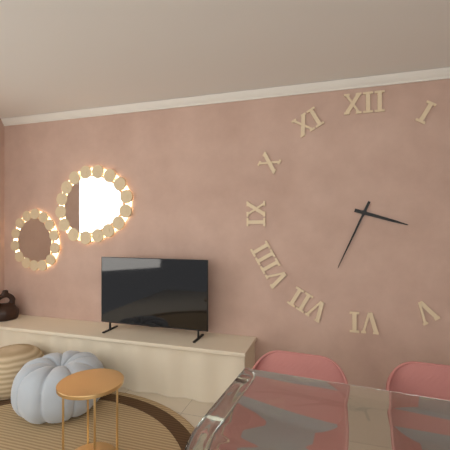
3:34
